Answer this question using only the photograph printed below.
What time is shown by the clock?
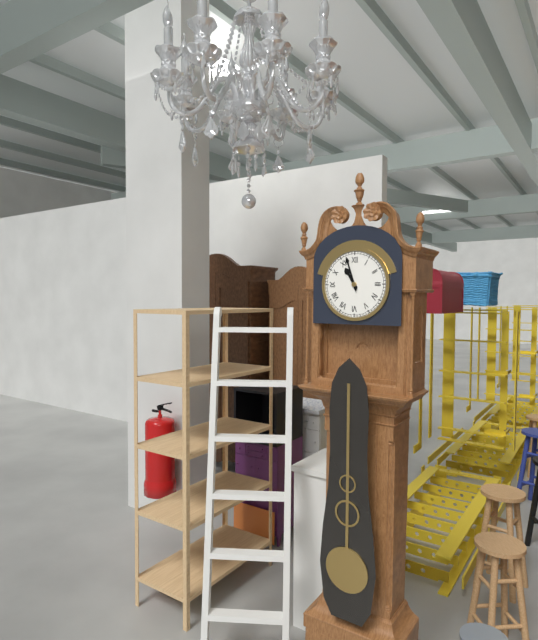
10:57
